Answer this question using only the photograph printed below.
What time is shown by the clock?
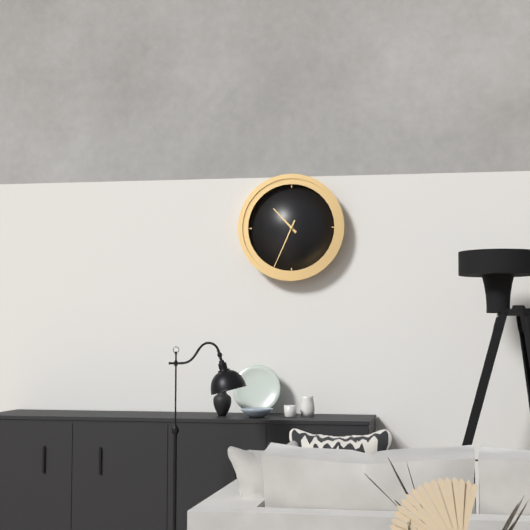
10:34
